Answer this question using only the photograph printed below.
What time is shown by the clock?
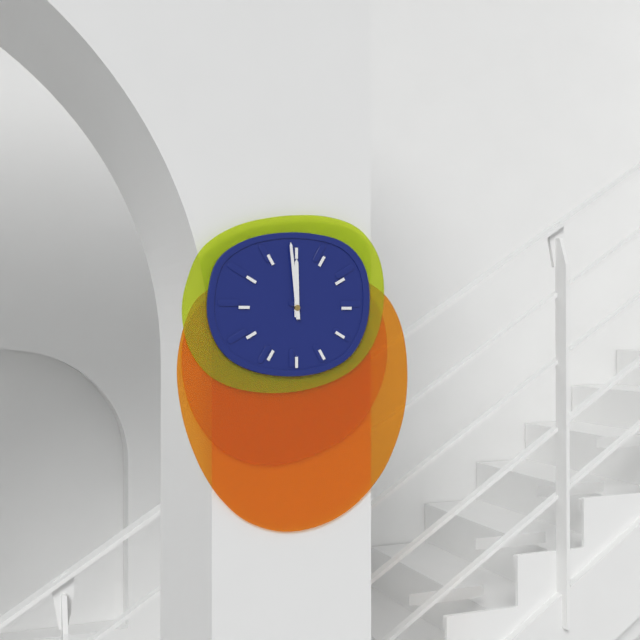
11:59
